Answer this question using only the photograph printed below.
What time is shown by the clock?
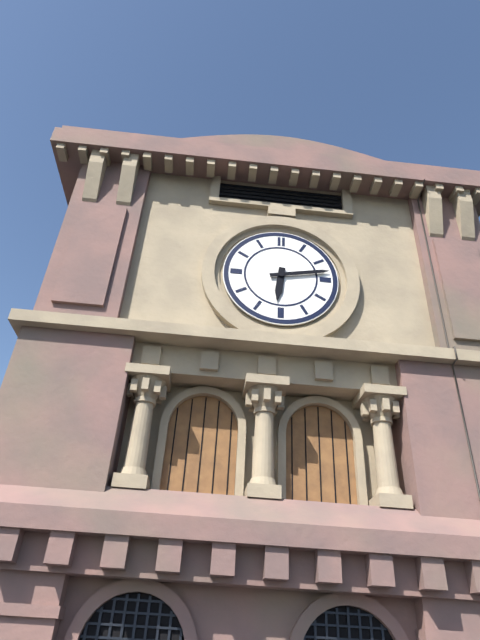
6:13
